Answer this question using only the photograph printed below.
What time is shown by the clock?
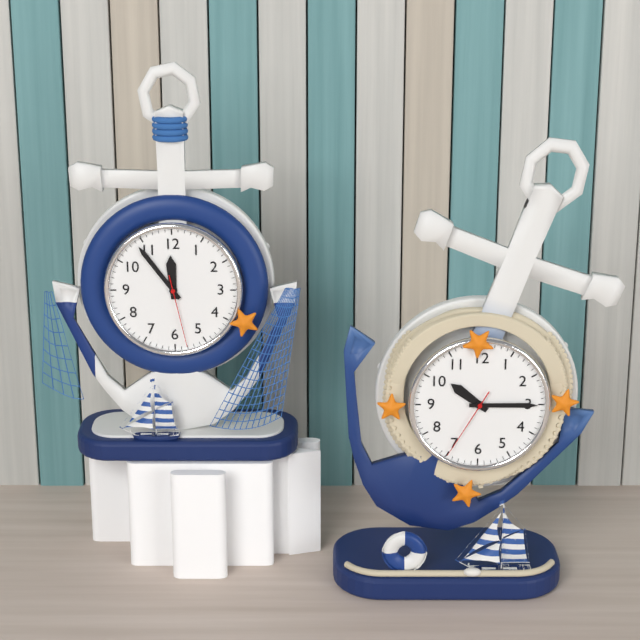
11:54:28
